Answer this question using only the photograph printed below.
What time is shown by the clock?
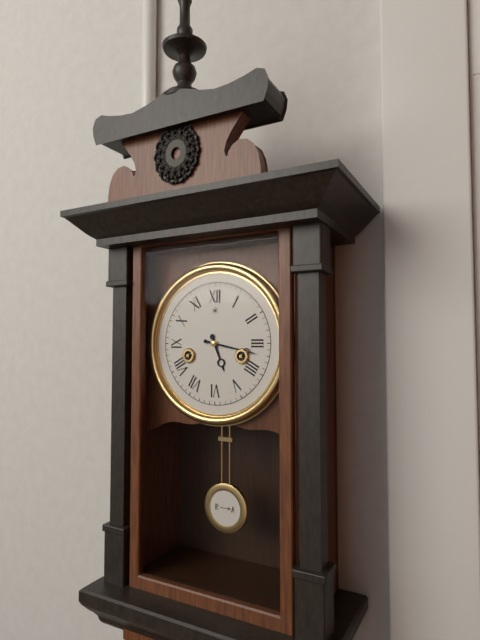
5:17
